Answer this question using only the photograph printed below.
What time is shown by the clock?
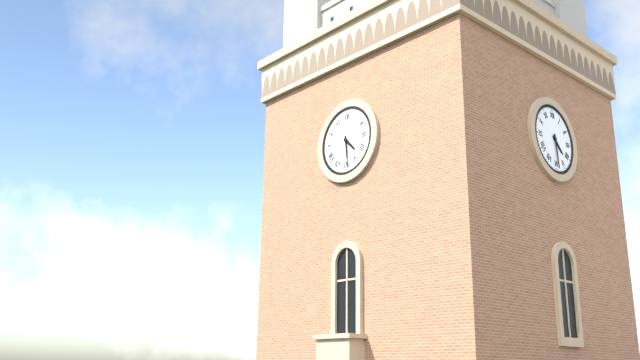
4:29
